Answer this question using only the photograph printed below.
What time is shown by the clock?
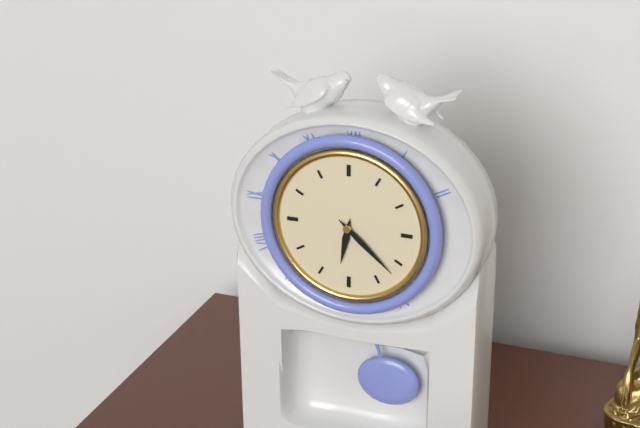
6:22
